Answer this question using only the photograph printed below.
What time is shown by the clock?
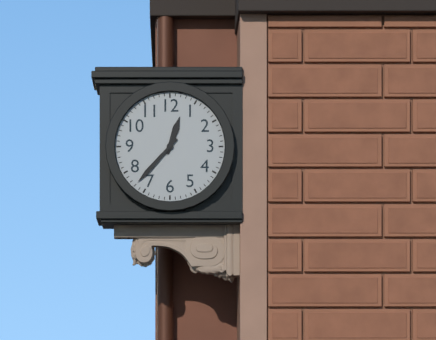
12:37
